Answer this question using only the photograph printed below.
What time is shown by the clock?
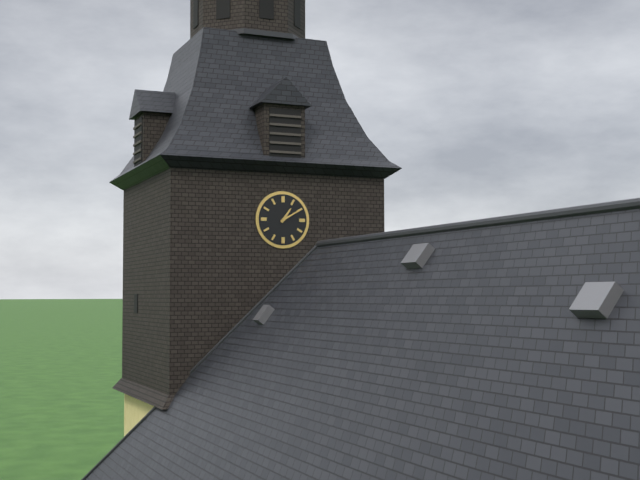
1:10
